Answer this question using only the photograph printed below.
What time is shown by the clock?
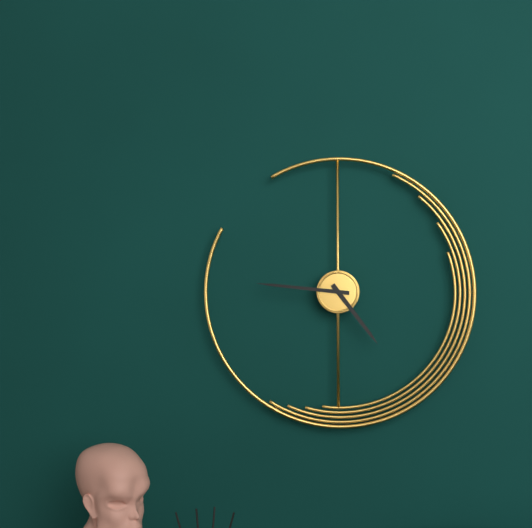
4:46
